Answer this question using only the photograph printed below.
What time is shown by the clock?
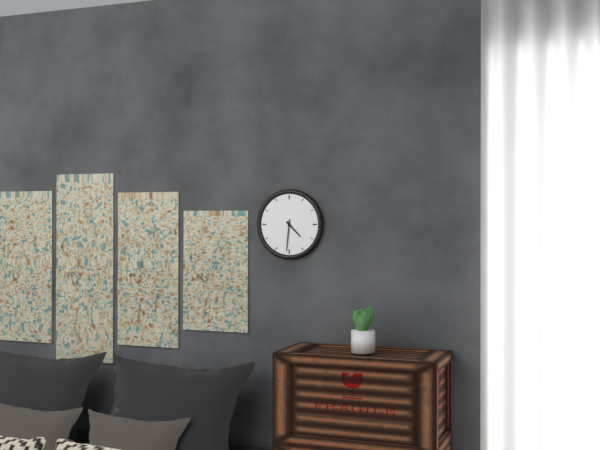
4:31
